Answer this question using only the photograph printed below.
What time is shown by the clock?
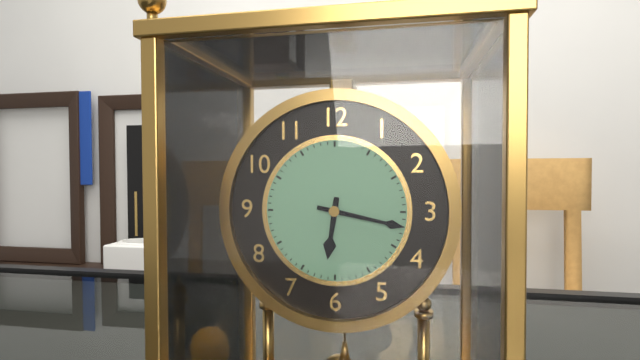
6:17
